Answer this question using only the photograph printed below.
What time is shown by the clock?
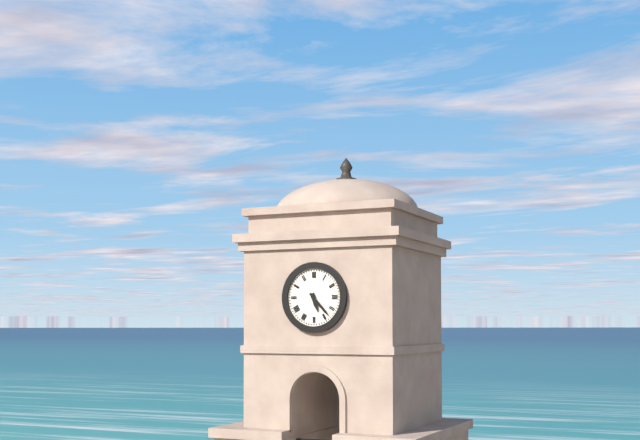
5:23
